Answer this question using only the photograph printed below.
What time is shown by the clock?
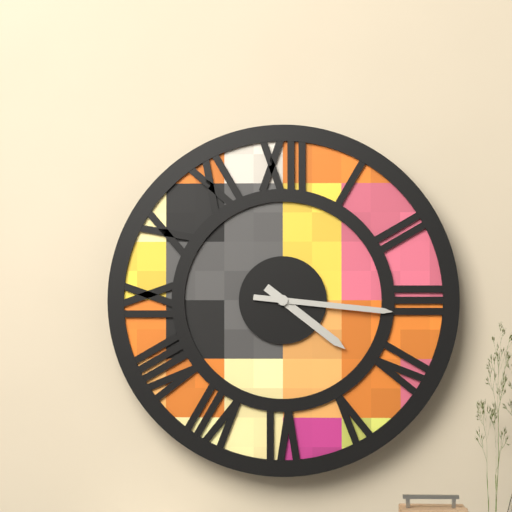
4:16
